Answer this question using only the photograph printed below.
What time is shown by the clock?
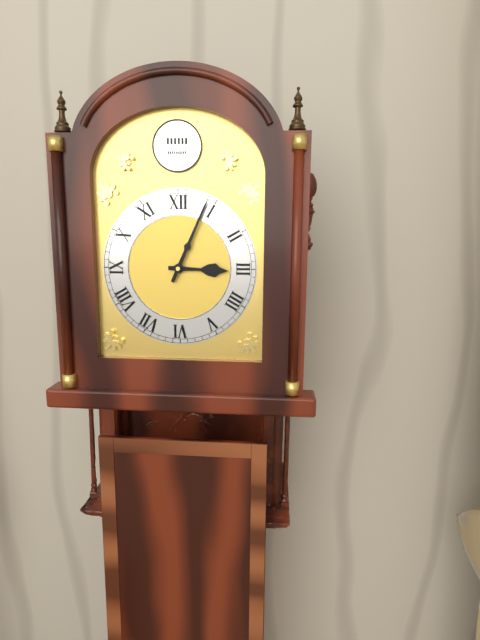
3:04
